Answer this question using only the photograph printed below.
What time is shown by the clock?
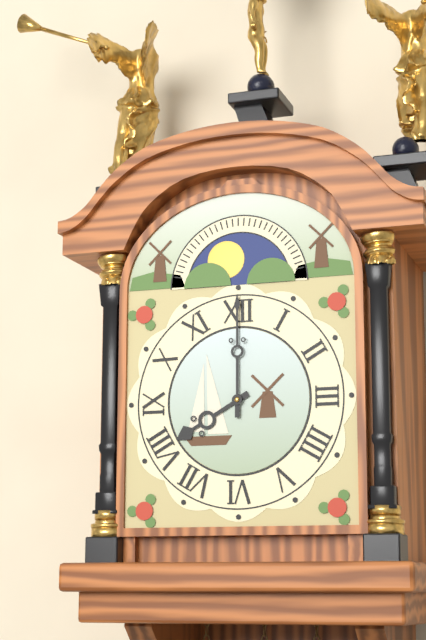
8:00
